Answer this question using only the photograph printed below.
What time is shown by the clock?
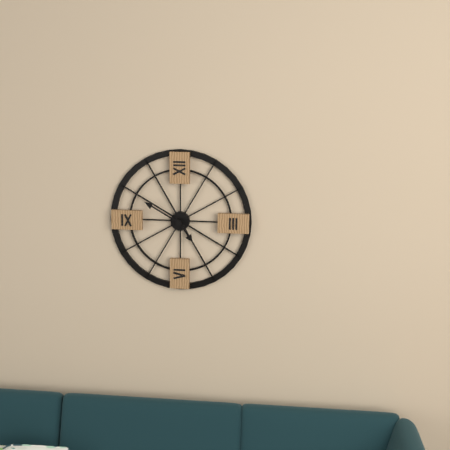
4:50
